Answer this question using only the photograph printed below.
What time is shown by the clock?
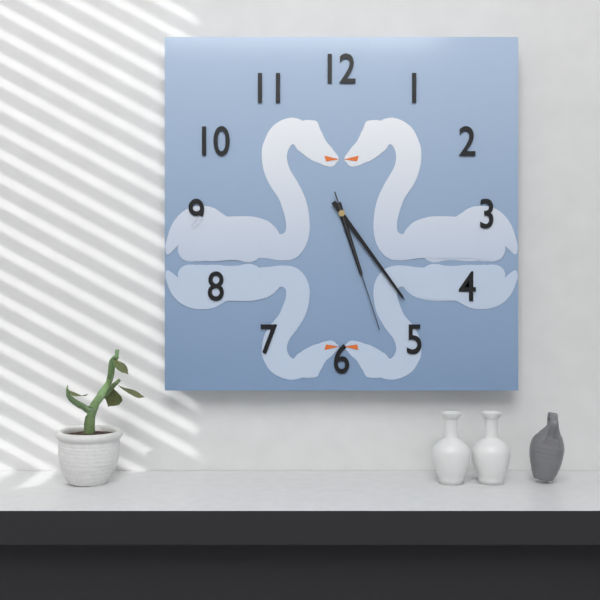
5:24:27
